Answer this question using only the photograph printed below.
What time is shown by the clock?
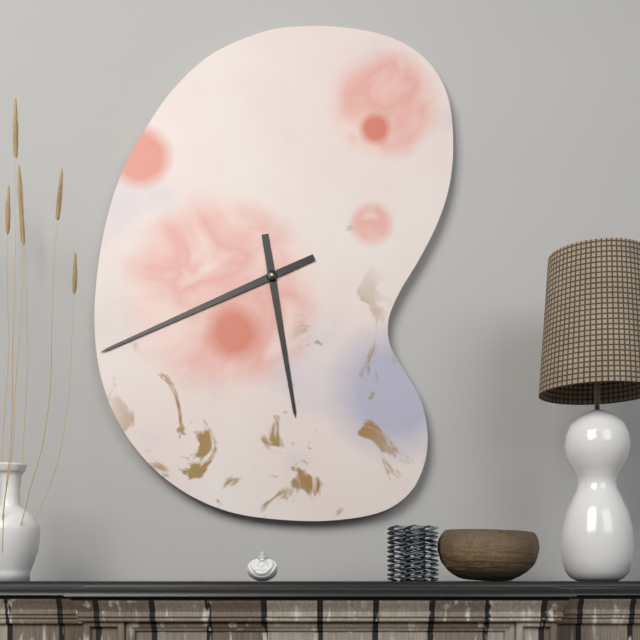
5:41
